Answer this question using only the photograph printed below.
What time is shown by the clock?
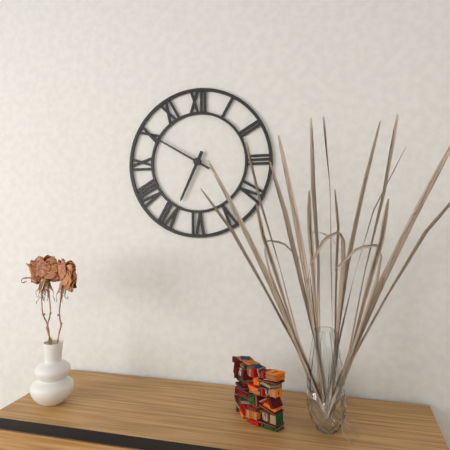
6:50
